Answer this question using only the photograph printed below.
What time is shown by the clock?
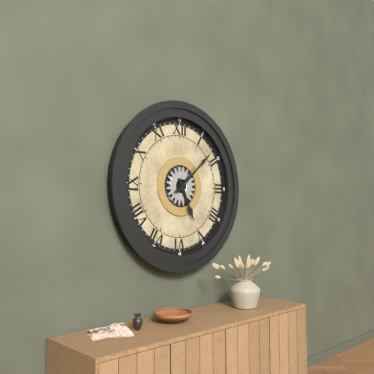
5:08
